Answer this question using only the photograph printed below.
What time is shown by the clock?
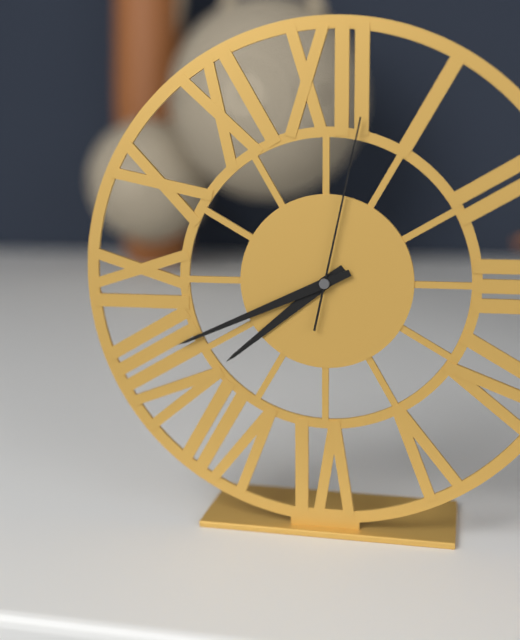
7:41:02
